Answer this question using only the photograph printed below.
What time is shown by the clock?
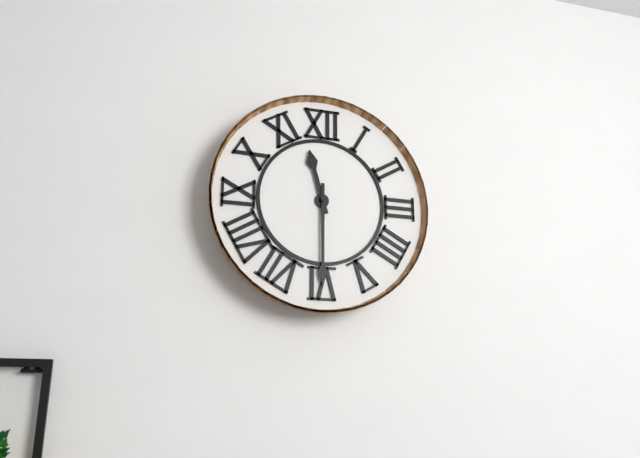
11:30
